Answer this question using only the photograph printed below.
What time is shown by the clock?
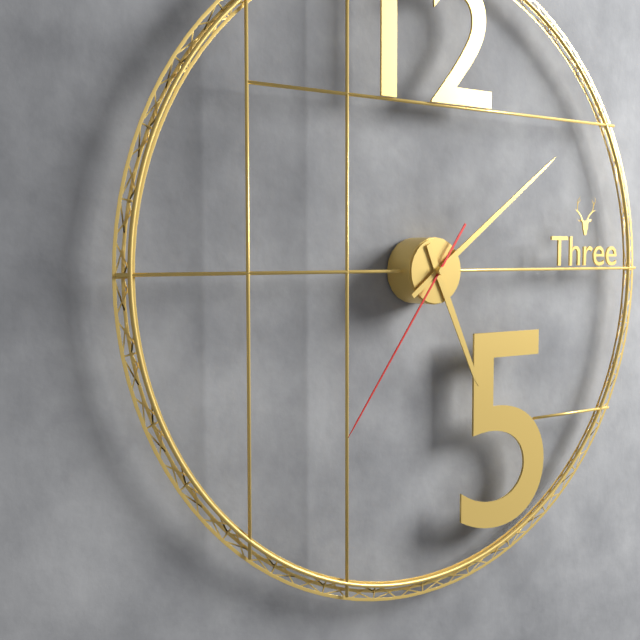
5:09:36
